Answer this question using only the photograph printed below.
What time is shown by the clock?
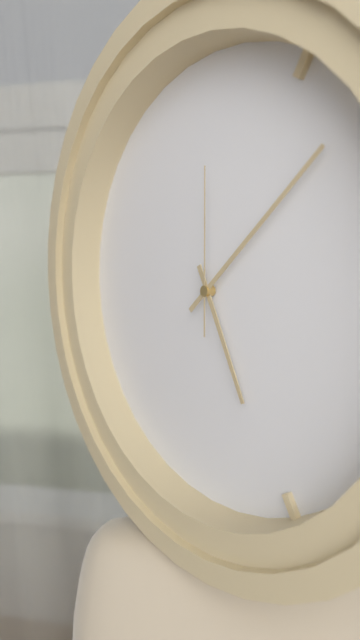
5:08:00
